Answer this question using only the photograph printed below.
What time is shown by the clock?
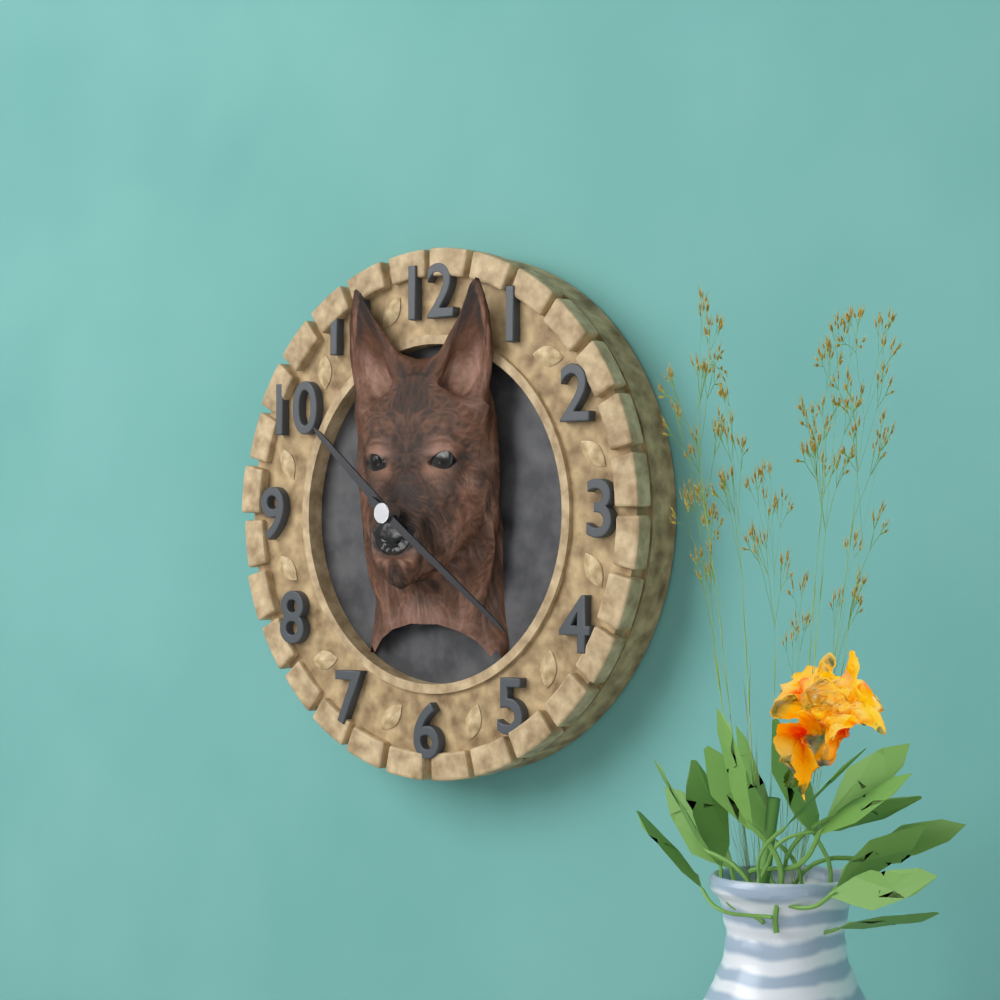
10:21
